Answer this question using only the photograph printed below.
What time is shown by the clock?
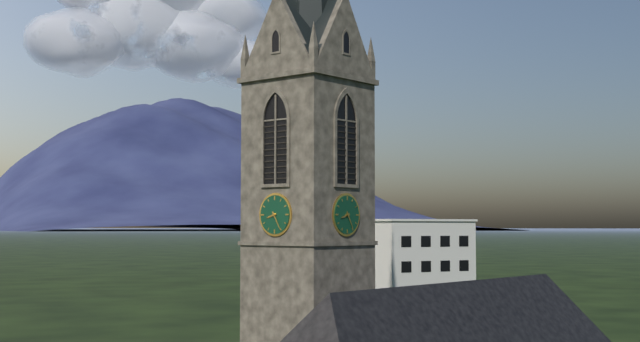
8:25
